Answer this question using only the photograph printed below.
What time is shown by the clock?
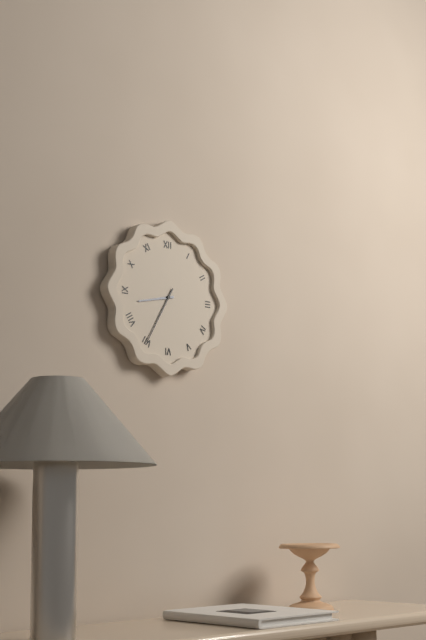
8:35
